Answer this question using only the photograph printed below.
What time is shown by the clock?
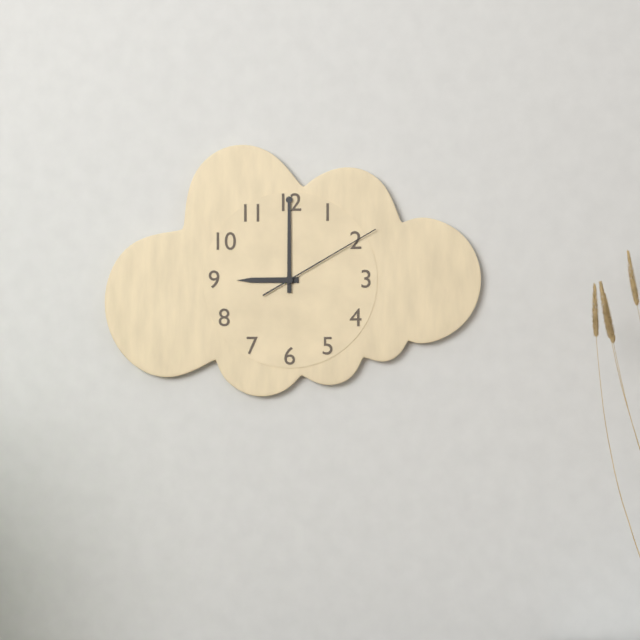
9:00:10
